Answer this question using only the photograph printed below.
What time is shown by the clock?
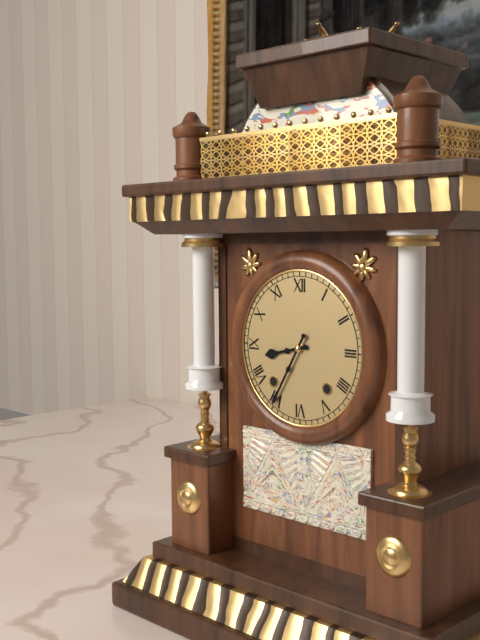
8:35
